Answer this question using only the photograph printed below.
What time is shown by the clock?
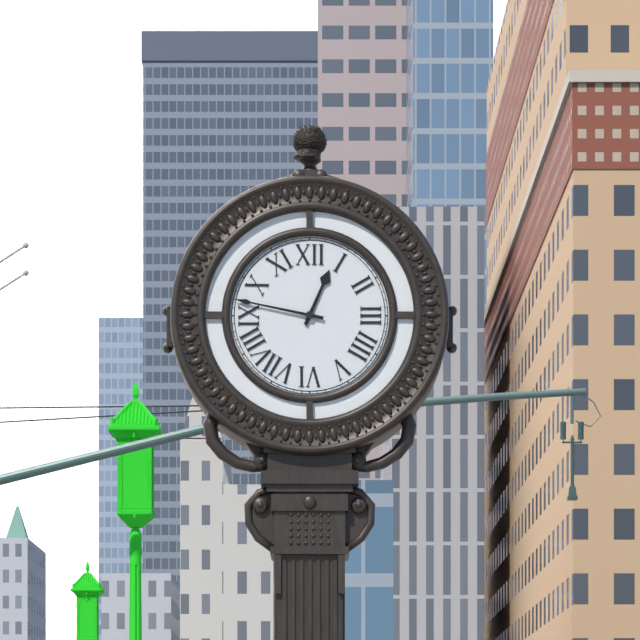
12:47
